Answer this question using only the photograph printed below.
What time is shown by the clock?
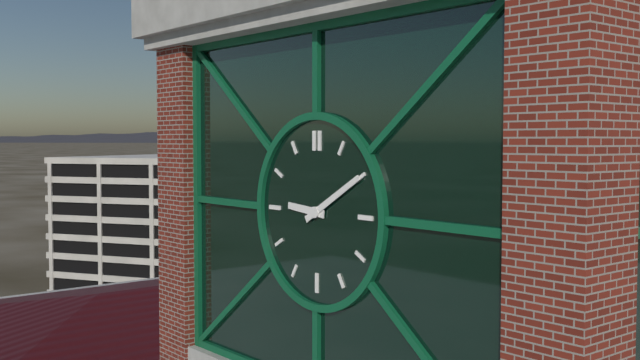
9:10
